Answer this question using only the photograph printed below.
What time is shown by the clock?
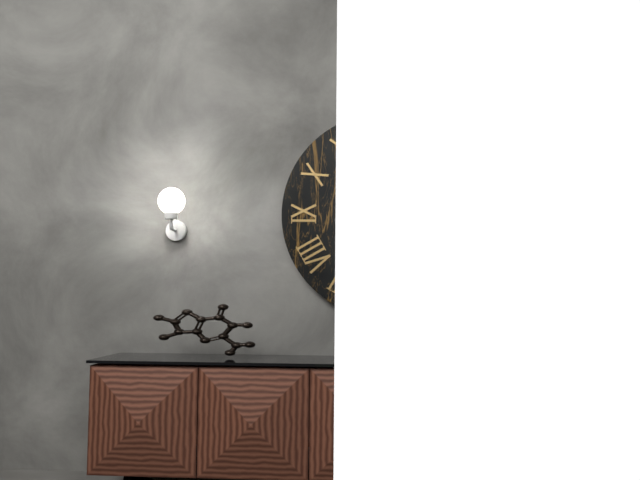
8:28
